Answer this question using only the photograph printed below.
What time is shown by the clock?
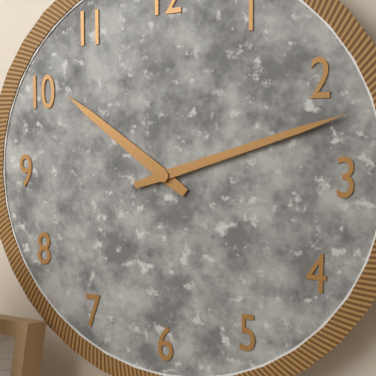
10:12
